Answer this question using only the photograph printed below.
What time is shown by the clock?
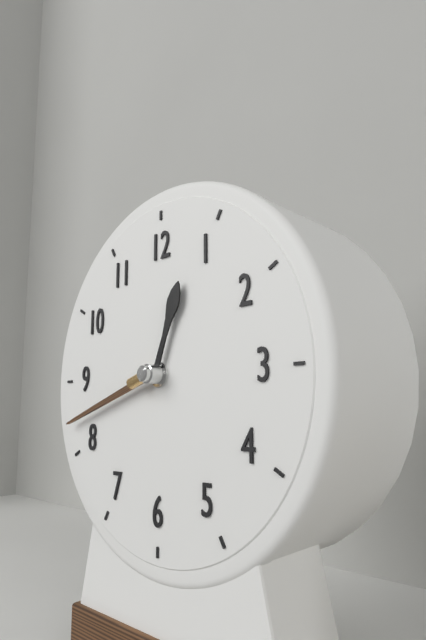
12:42
